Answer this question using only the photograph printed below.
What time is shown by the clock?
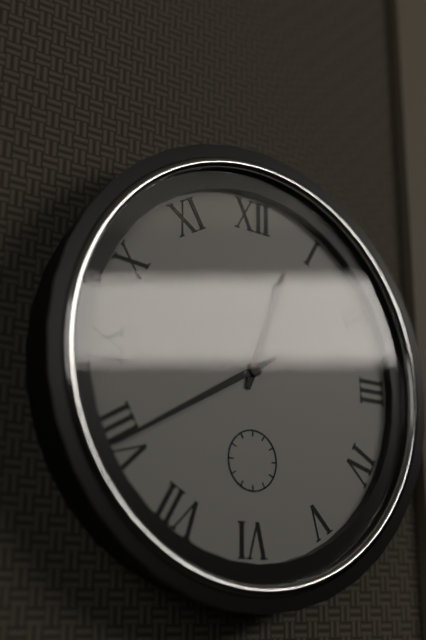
12:40
